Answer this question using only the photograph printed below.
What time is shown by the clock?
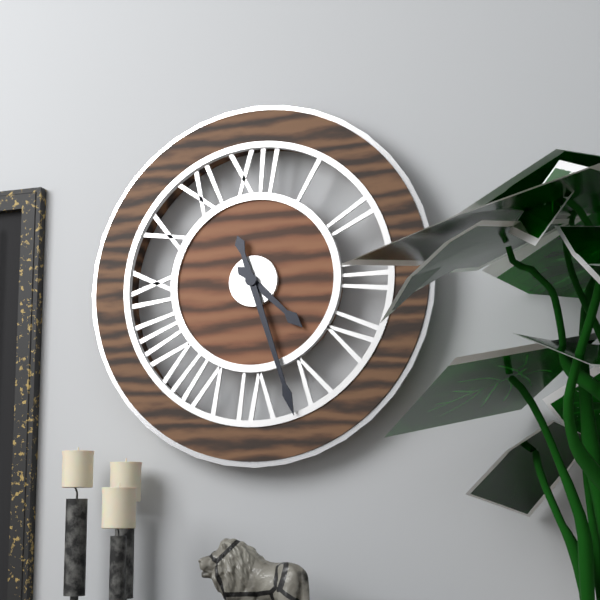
4:27
